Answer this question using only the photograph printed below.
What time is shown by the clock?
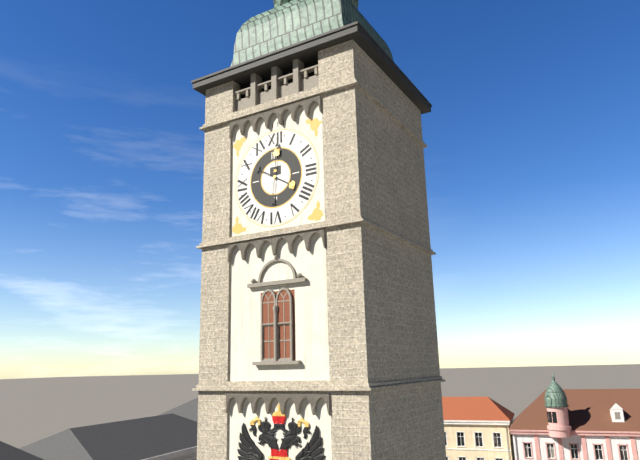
4:01
